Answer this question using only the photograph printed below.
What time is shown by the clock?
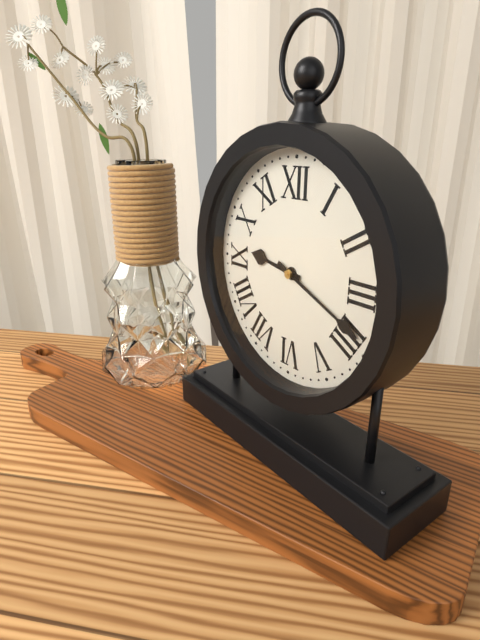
9:19
